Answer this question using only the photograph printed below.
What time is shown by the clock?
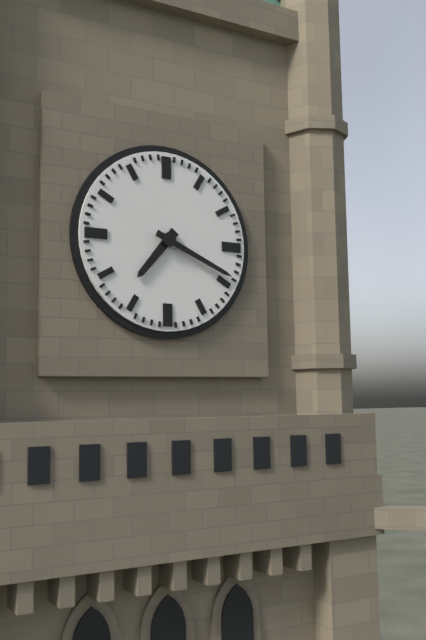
7:19
